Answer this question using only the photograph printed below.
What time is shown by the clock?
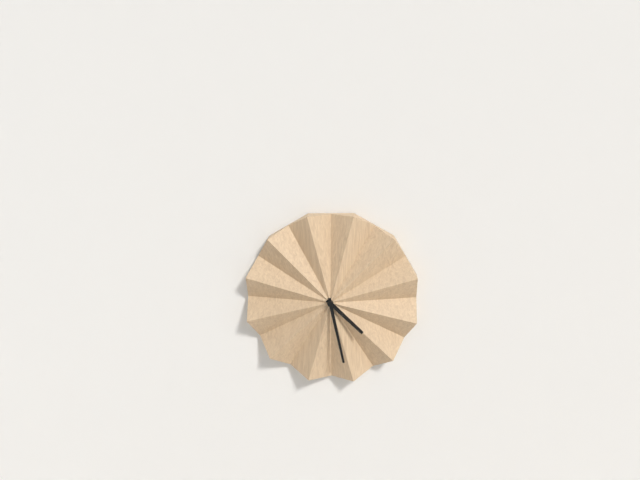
4:28
